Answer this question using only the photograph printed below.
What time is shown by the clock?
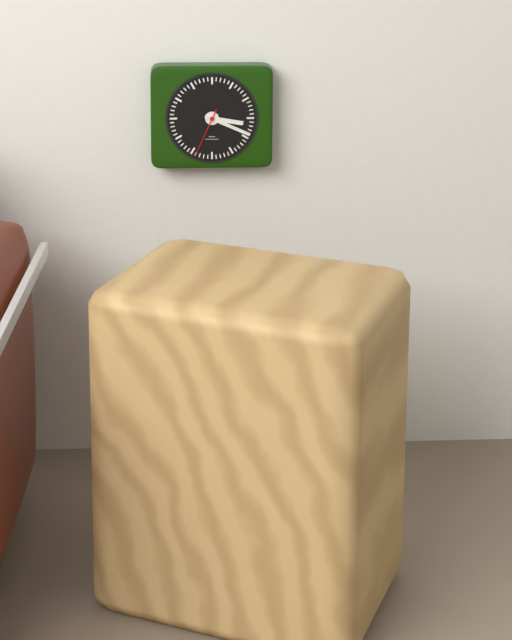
3:19:34
